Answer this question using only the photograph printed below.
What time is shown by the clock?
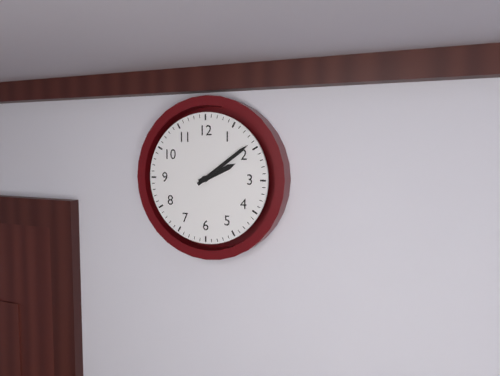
2:09
